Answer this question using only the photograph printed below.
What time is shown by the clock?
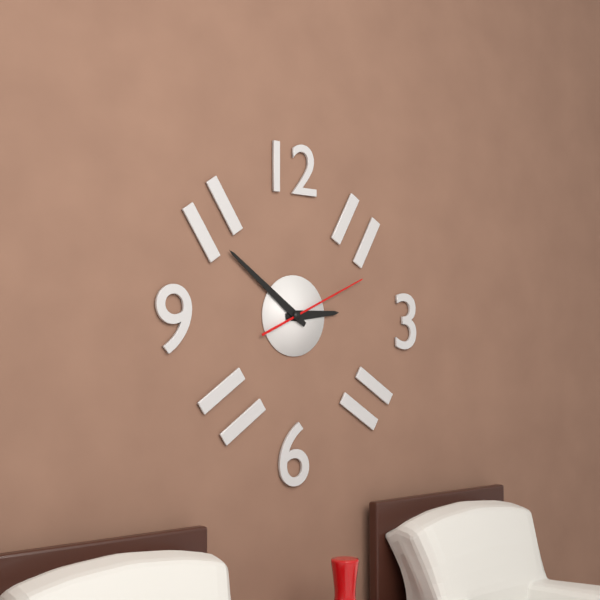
2:51:11
